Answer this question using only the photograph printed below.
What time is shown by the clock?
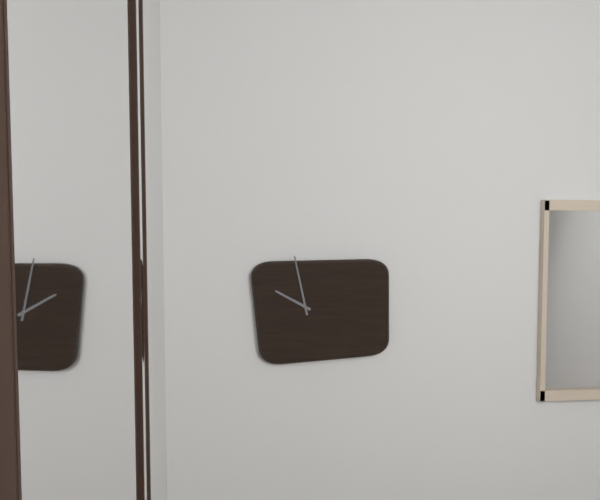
9:58
